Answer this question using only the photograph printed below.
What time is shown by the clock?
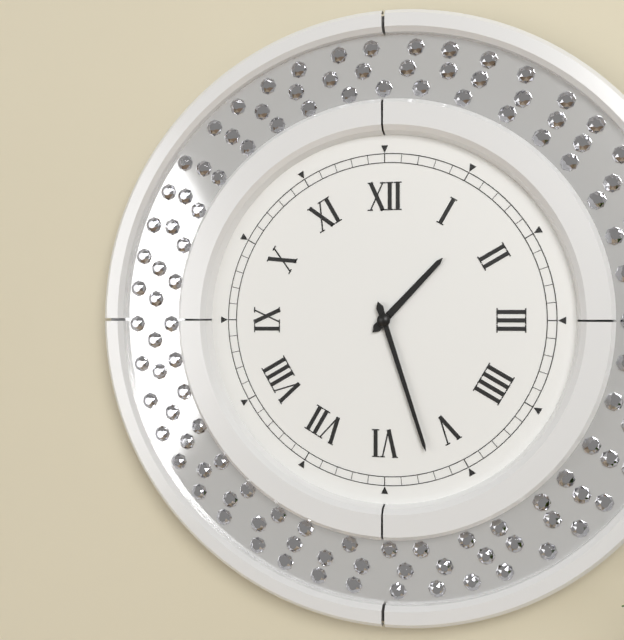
1:27
